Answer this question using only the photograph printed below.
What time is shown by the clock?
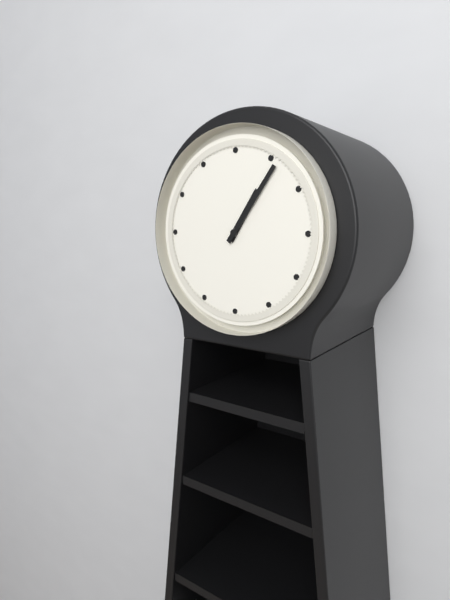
1:06
